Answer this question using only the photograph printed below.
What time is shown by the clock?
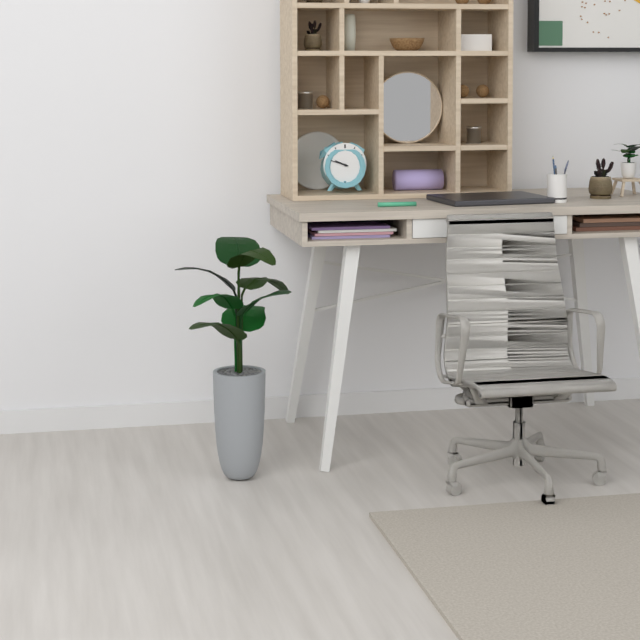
9:48
